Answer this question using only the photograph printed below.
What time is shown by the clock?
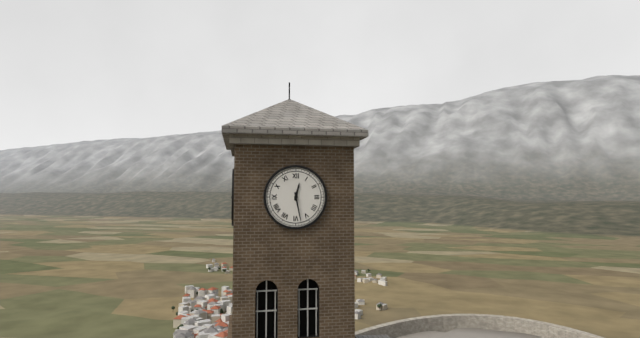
12:28
